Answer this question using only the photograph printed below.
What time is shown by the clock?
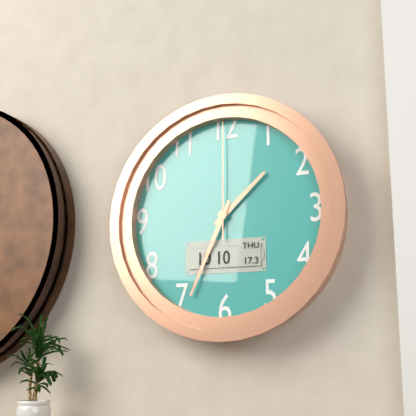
1:34:00
